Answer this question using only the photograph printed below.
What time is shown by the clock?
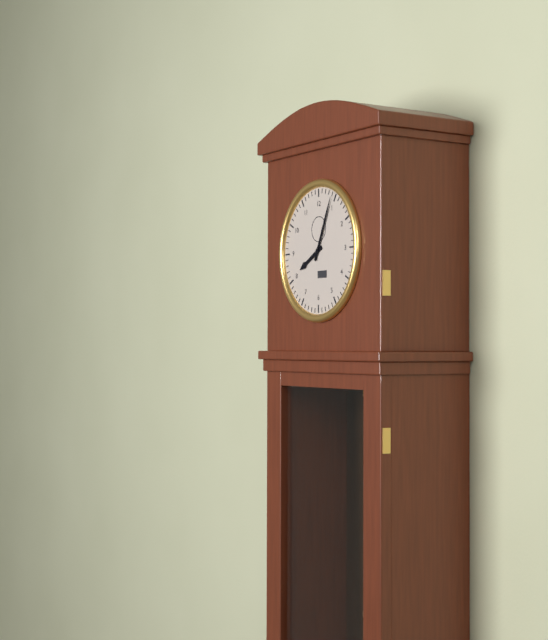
8:04
